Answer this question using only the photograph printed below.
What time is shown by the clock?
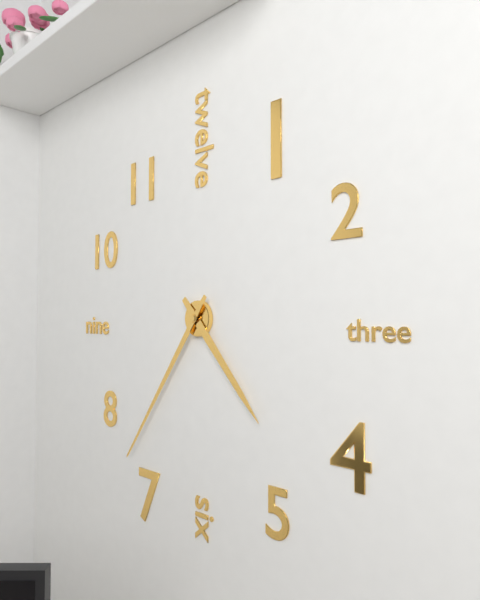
4:36
